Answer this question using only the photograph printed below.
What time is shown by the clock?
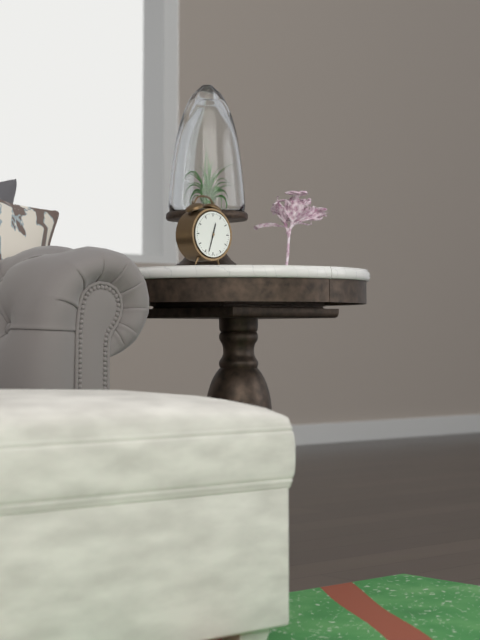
12:33
